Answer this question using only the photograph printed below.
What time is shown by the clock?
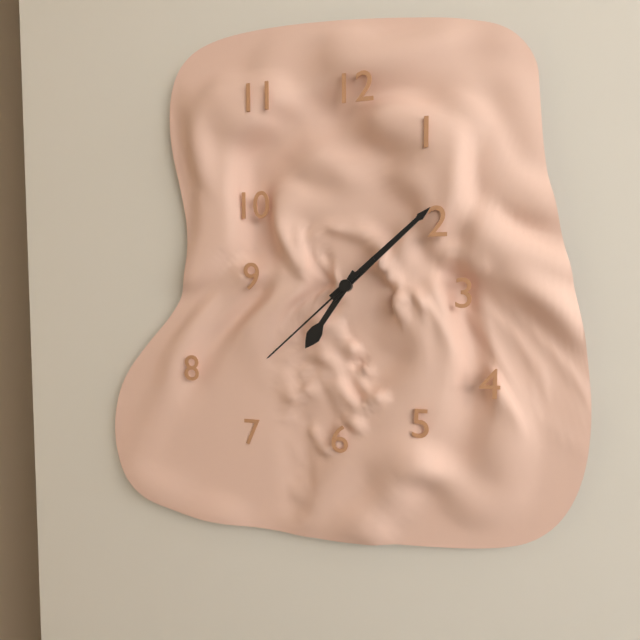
7:08:38
